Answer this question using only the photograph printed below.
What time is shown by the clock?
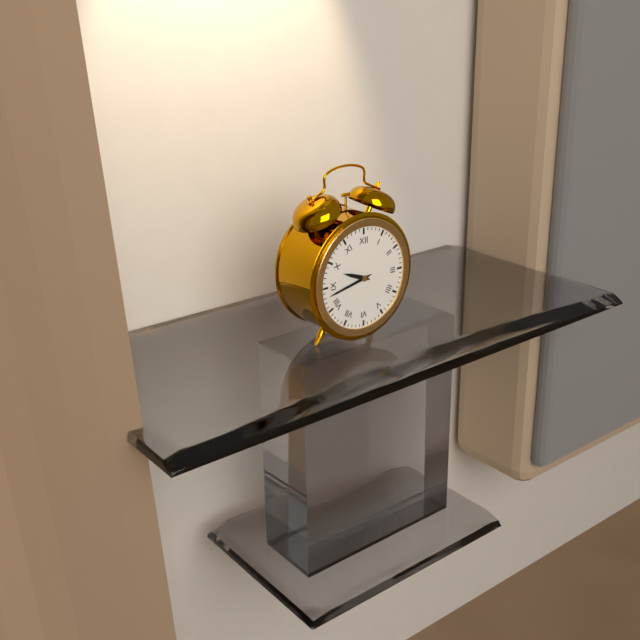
9:43
